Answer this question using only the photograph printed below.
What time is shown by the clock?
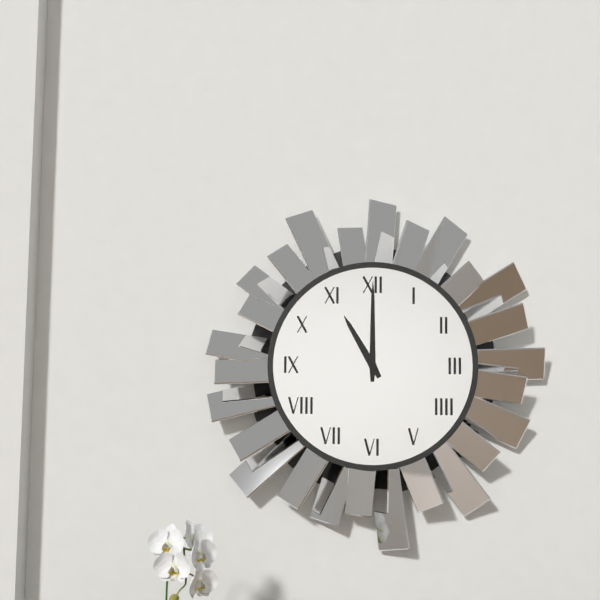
11:00
